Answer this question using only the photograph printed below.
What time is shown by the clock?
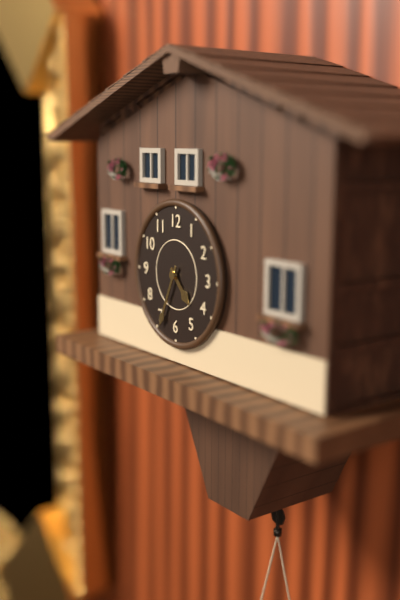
4:34
